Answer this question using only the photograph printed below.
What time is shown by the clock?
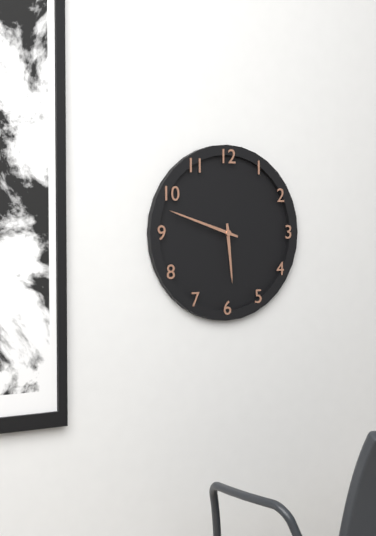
5:48
